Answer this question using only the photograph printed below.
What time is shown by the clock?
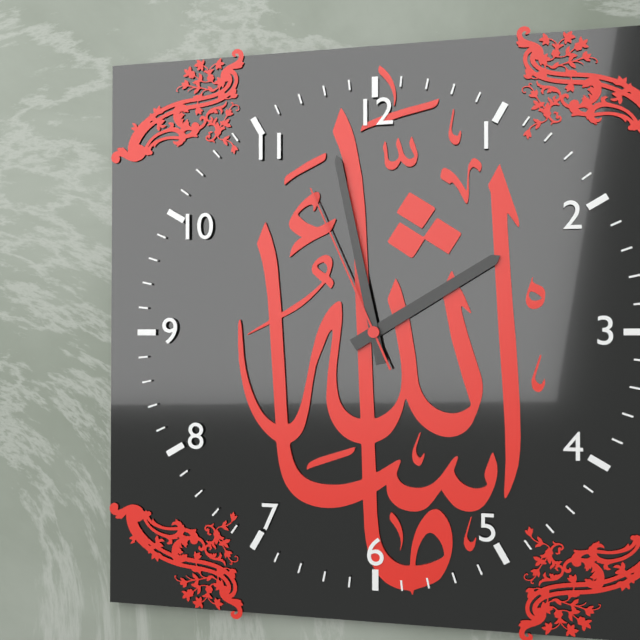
1:58:56
